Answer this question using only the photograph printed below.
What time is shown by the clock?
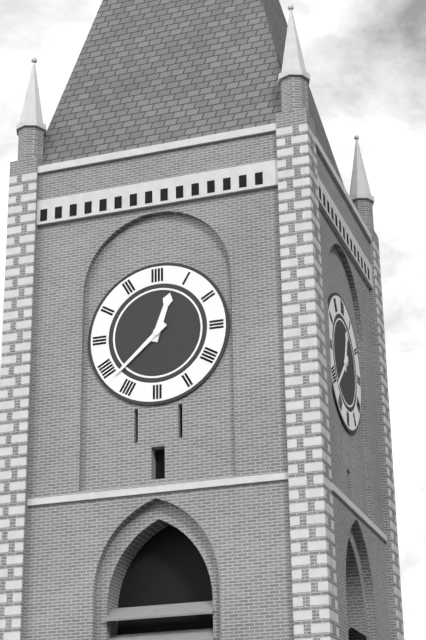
12:38
